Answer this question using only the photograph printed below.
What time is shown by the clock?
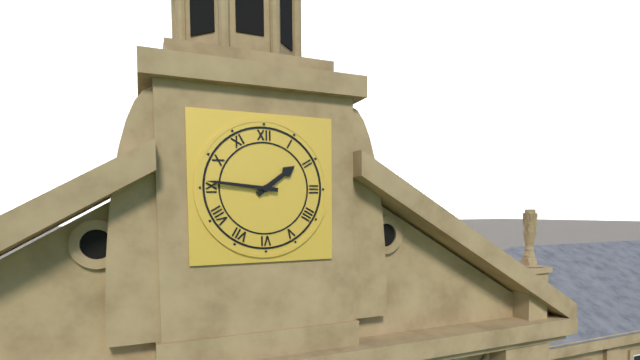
1:46
